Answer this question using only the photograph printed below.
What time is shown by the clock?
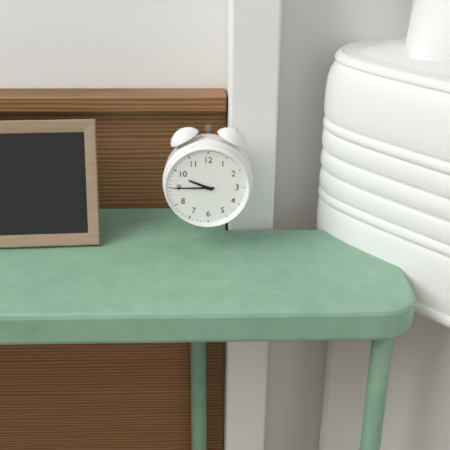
9:45
